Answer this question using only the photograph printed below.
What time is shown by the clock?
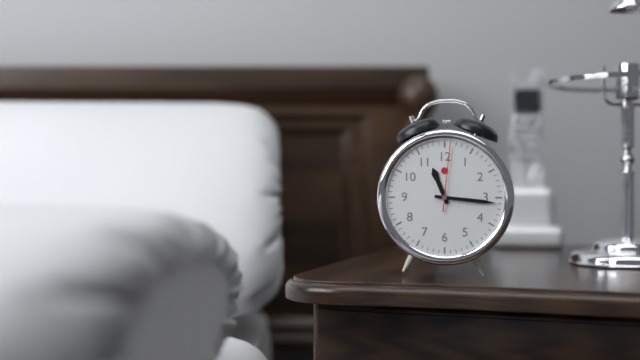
11:16:01
